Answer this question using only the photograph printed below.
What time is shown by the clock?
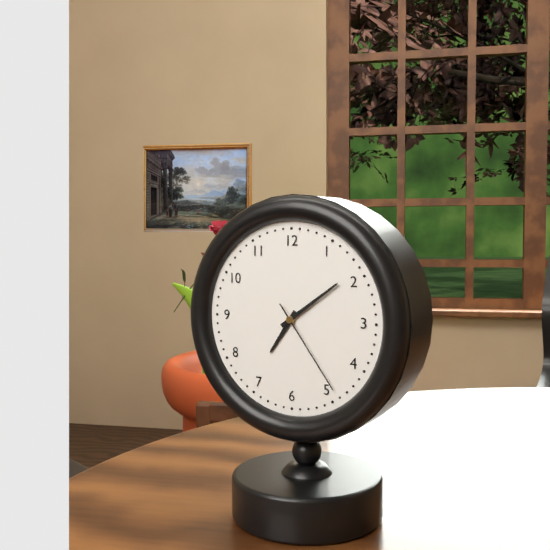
7:09:24
